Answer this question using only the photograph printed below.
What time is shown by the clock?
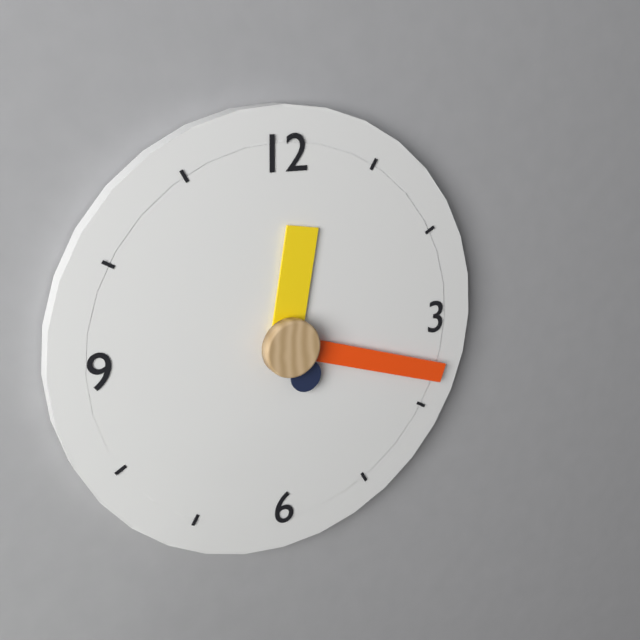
12:18:25
